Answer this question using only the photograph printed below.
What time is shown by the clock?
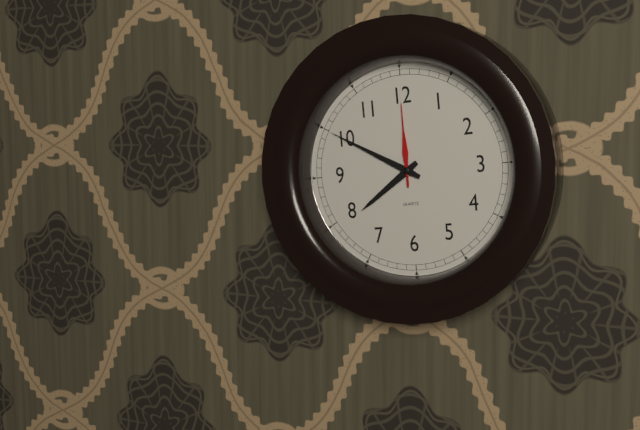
7:50:00
